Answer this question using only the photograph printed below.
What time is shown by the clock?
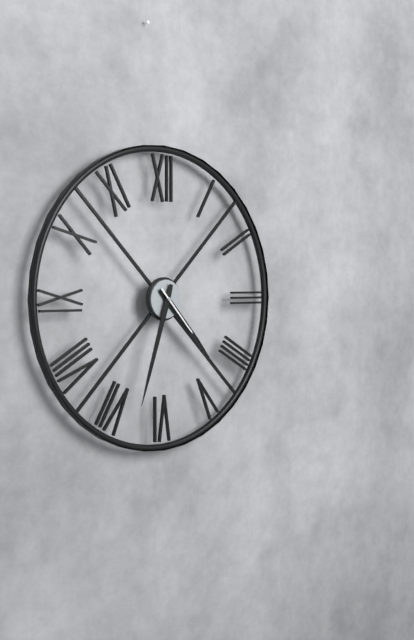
4:33:23
